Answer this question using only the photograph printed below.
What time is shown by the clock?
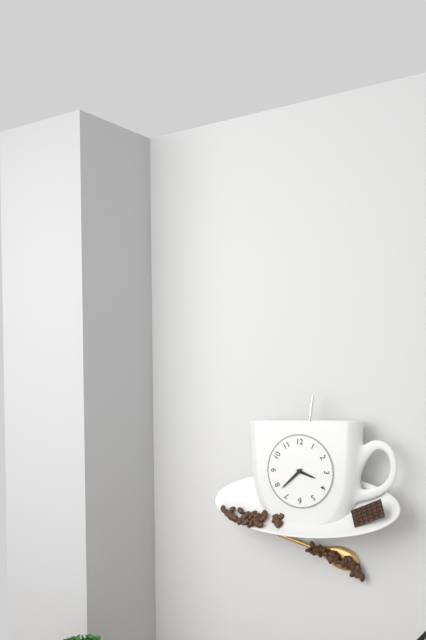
3:38
